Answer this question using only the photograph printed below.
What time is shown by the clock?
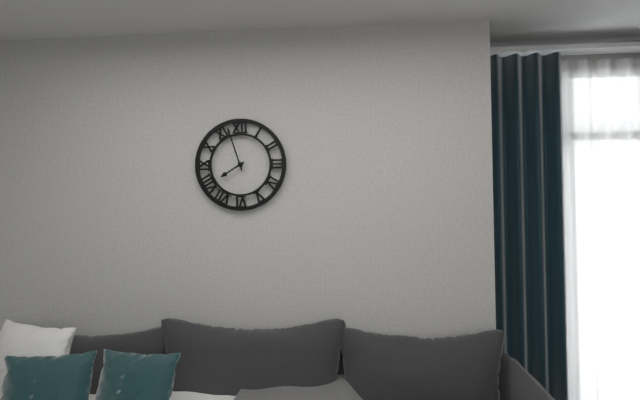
7:57
